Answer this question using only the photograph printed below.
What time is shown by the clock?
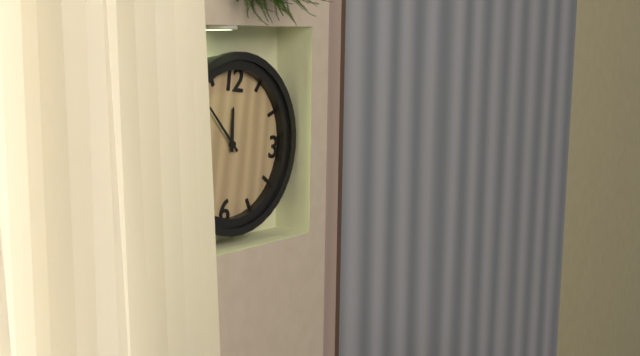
11:52
